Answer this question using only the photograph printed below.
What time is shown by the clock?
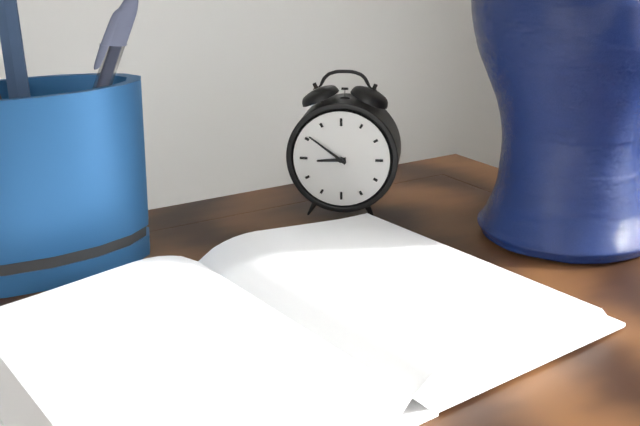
8:51
